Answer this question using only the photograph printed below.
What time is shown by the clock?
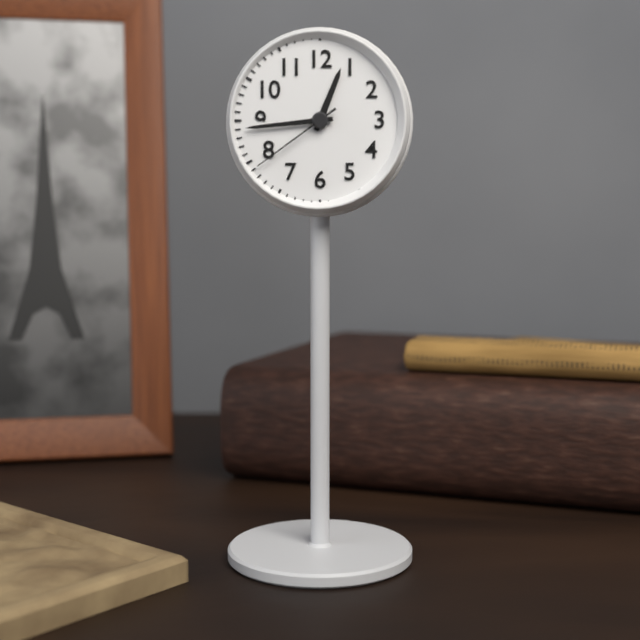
12:44:39
